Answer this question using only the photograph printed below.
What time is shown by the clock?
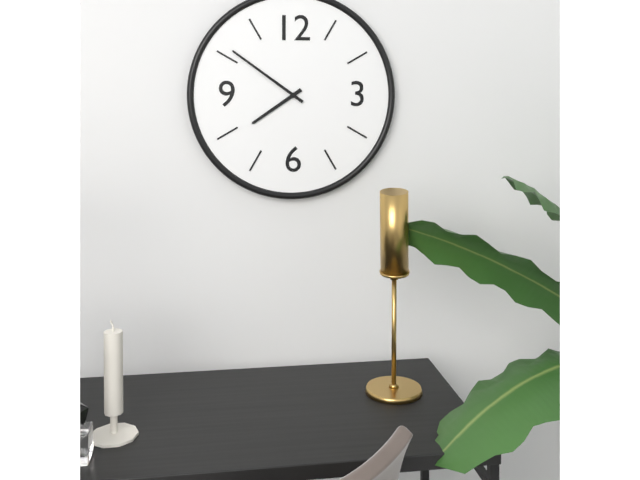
7:51
